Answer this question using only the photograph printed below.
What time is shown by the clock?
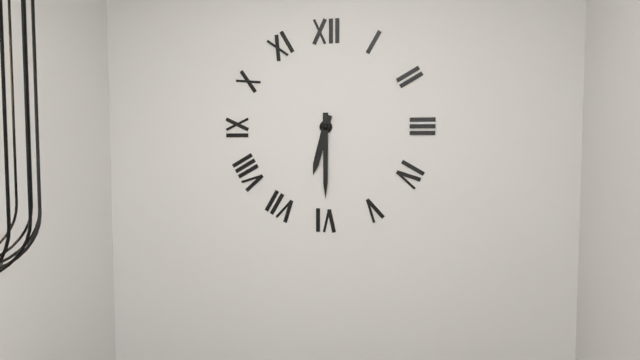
6:30
